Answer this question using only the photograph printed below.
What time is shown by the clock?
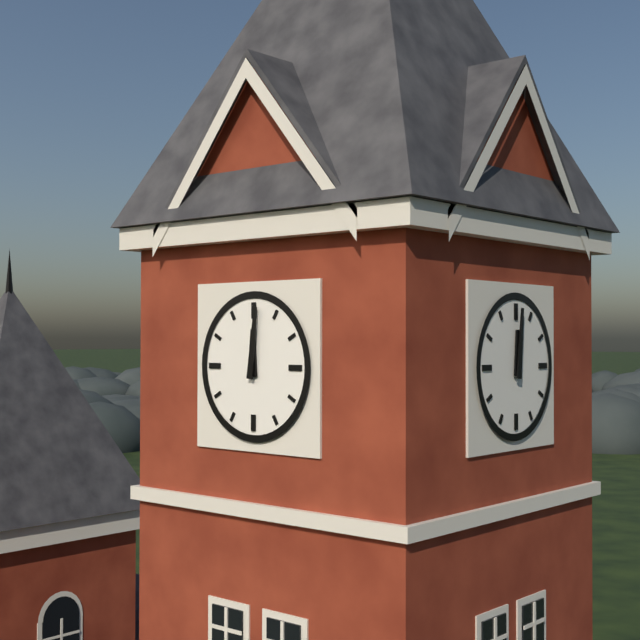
12:01
